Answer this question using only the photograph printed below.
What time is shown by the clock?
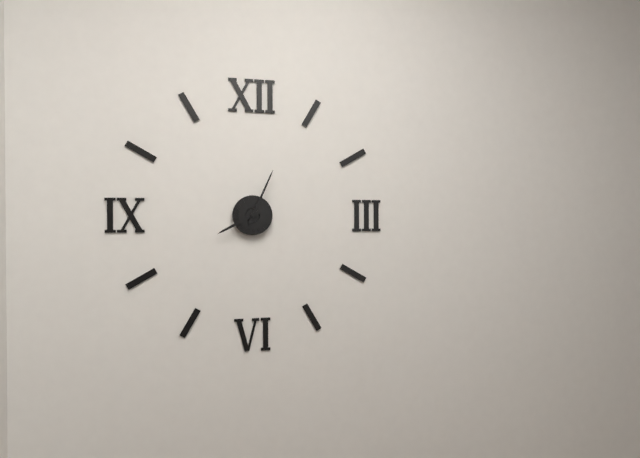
8:04
